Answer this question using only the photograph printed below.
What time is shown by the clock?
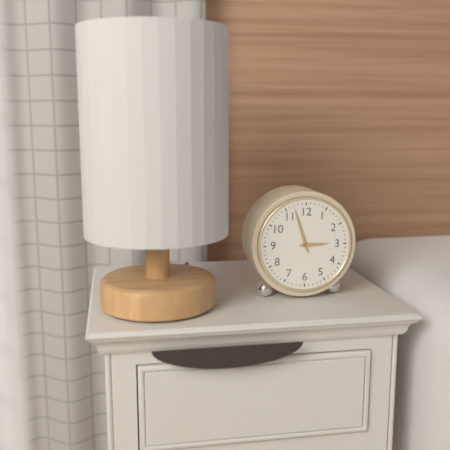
2:57
